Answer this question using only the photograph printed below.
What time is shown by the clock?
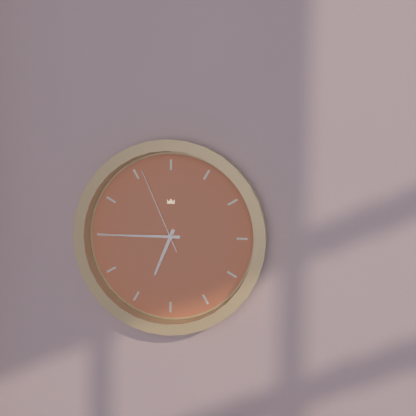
6:45:56
